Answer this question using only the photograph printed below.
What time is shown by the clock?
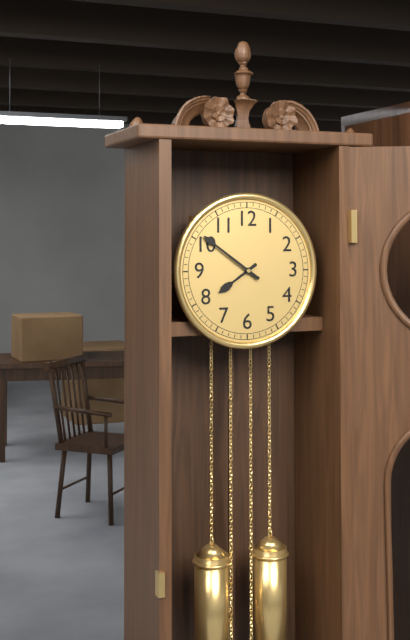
7:51
